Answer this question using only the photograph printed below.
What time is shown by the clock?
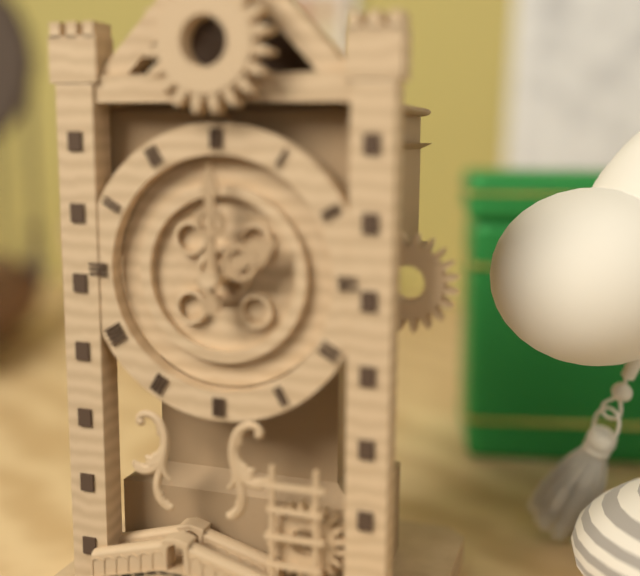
2:00
